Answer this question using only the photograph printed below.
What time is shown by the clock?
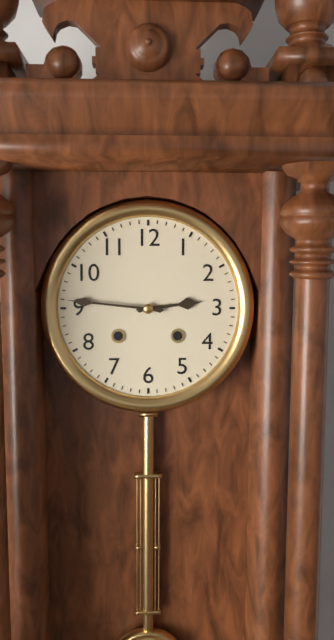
2:46
